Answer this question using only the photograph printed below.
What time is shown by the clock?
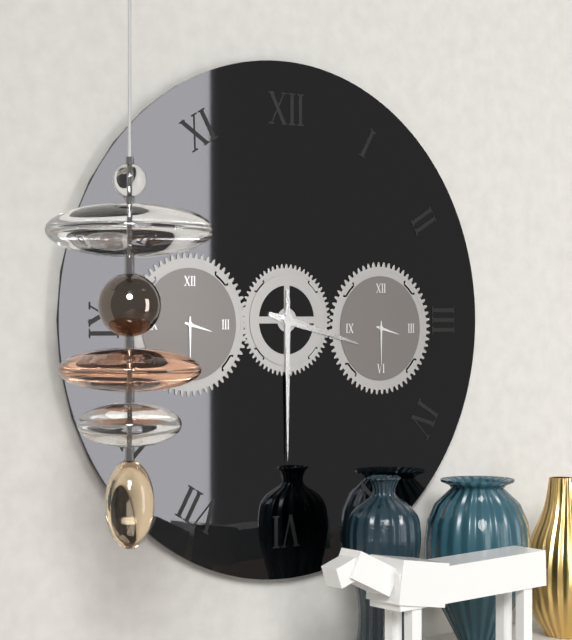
3:30
